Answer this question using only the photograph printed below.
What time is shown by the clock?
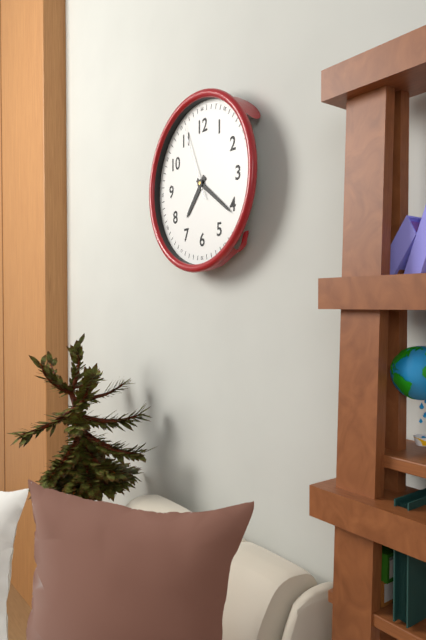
7:21:56
